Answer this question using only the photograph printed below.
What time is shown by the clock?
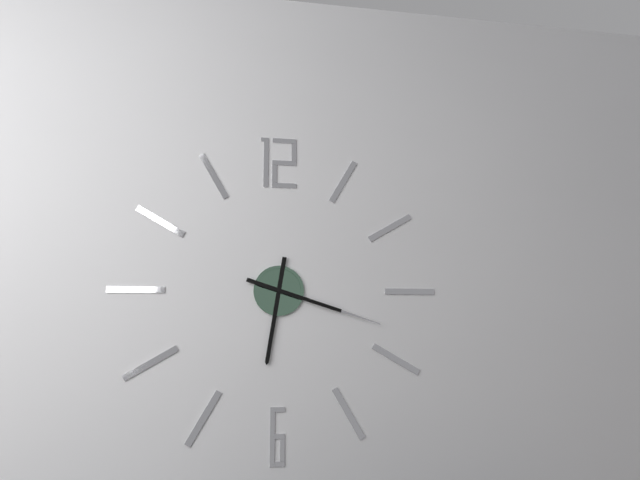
6:18
